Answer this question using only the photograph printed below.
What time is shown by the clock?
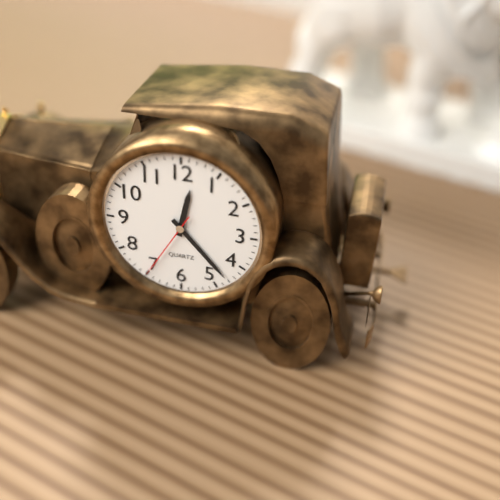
12:23:35
